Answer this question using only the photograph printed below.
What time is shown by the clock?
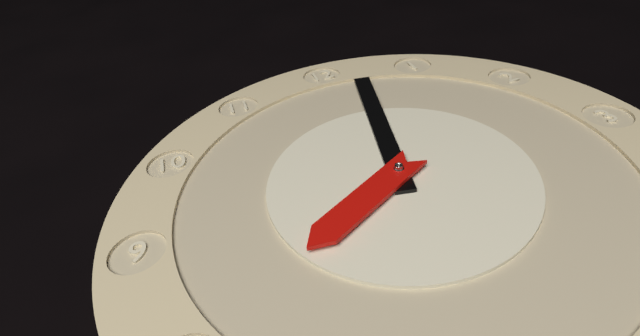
8:02
